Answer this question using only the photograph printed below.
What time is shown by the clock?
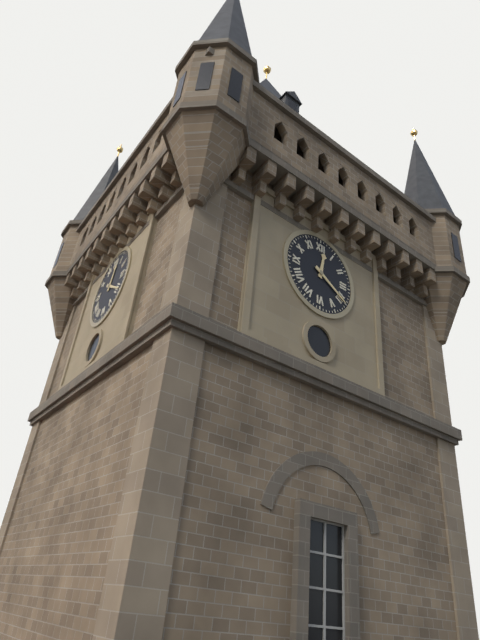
12:20
